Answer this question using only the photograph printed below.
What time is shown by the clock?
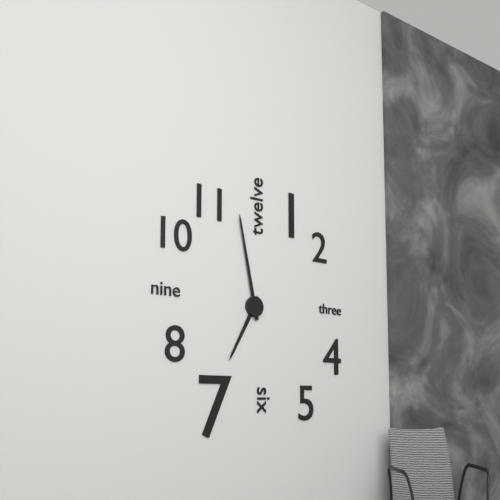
6:58
